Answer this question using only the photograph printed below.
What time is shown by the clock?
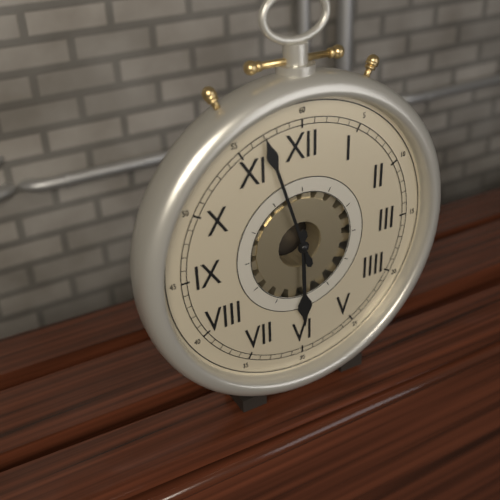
5:57
